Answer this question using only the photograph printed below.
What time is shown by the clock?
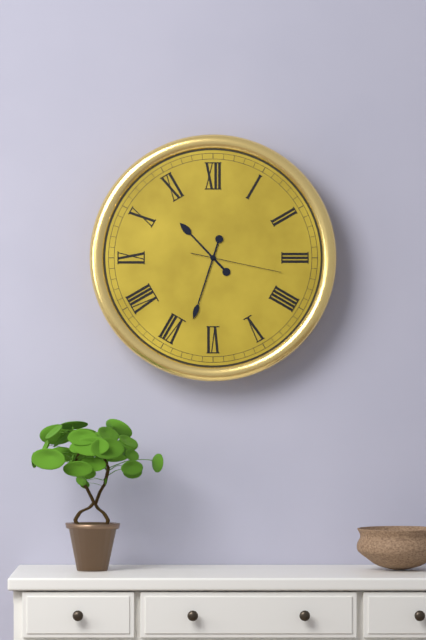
10:33:17
